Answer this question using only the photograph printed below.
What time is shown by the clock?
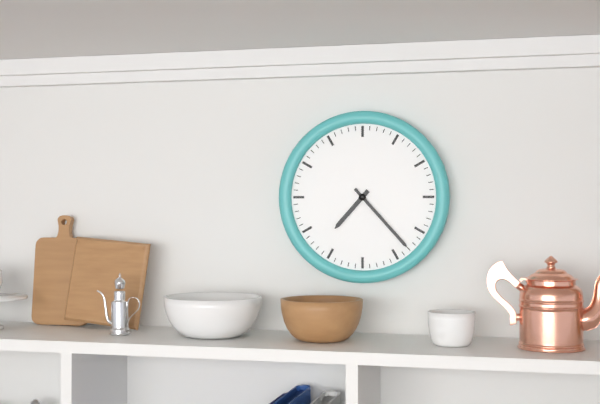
7:23
